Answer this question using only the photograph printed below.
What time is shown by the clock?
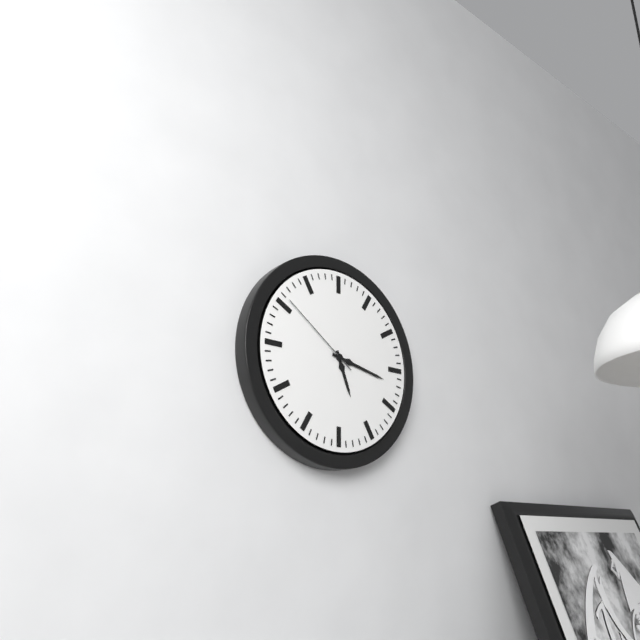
5:17:51
